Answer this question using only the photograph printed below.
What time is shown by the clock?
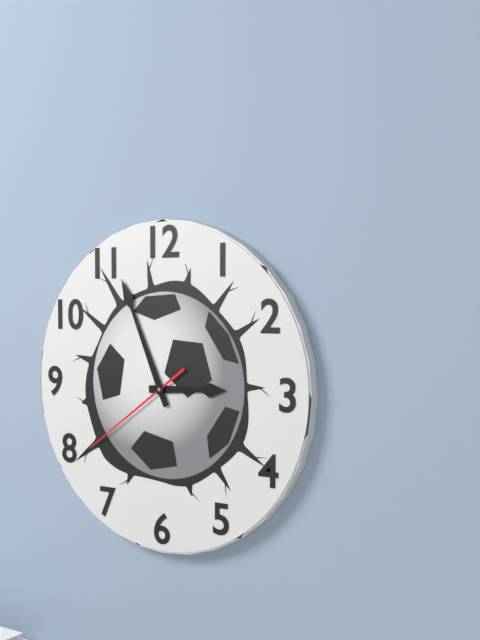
2:56:39
